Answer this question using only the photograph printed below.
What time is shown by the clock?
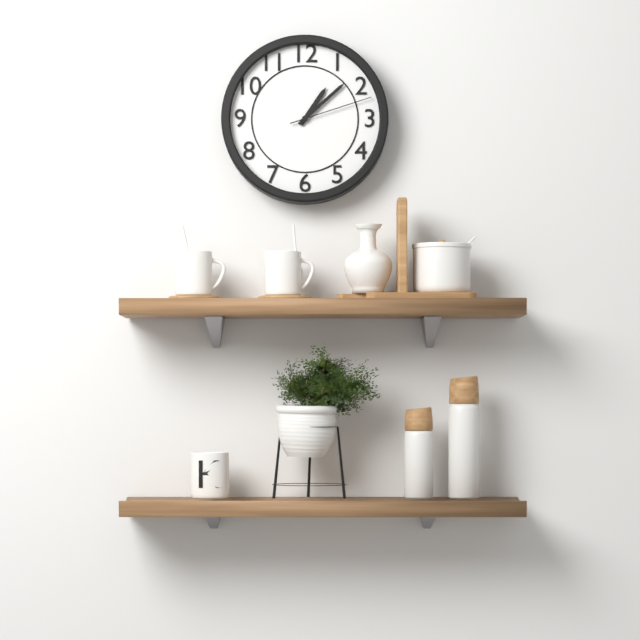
1:08:12
